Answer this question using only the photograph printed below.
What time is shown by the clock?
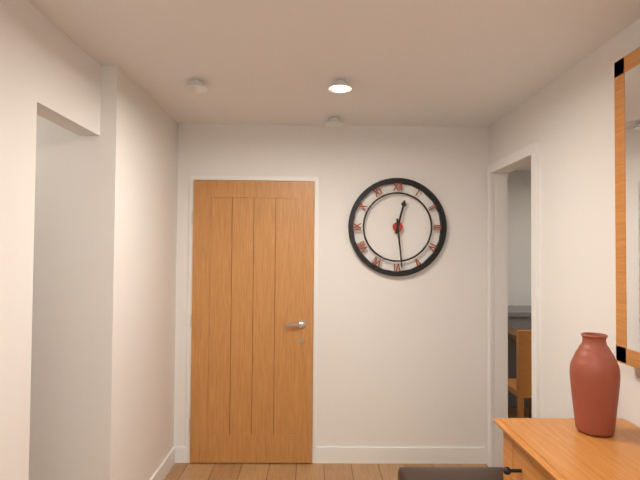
12:29
